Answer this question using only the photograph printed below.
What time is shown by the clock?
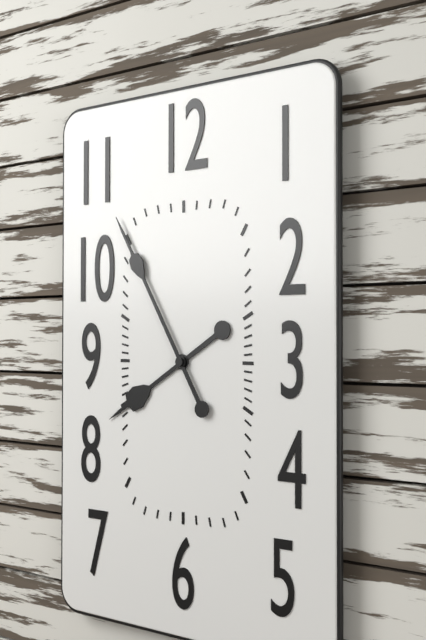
7:55
